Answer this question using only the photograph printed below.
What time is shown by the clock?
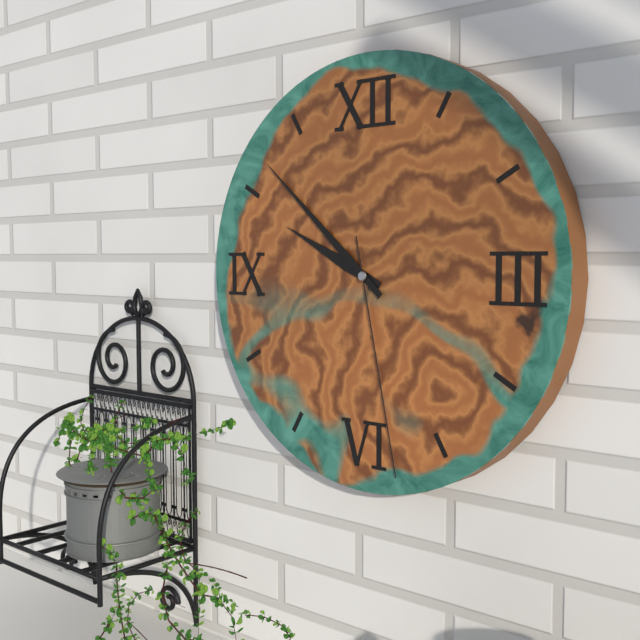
9:52:28
